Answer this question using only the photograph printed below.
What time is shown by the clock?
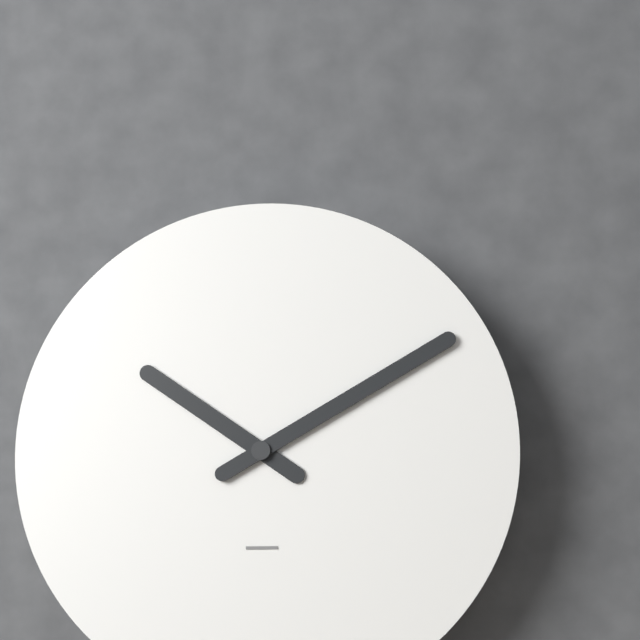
10:10
